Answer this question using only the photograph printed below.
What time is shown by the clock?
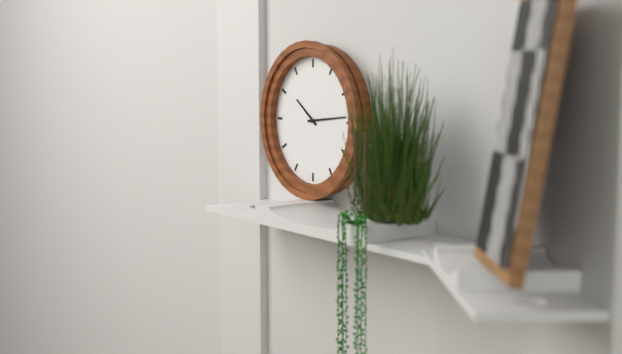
10:14
